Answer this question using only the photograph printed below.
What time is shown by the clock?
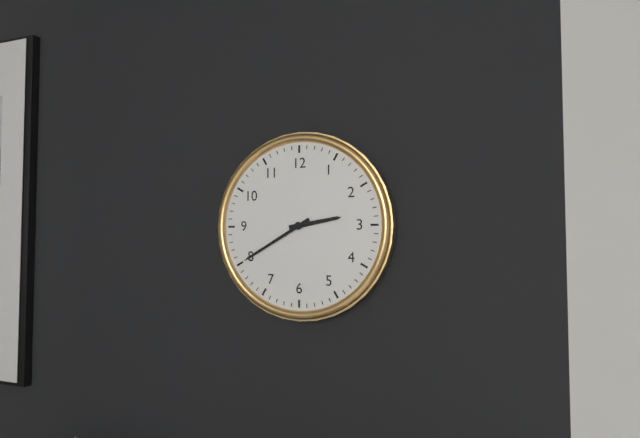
2:40
